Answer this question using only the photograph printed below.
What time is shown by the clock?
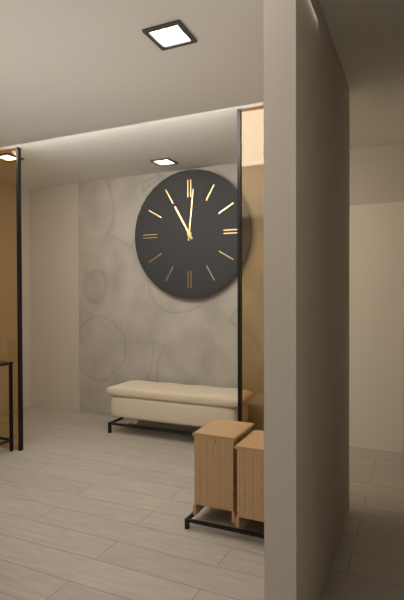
11:01
